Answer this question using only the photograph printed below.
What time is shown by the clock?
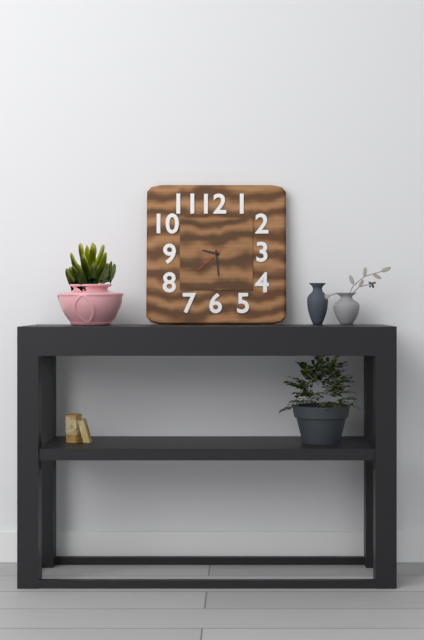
9:29
